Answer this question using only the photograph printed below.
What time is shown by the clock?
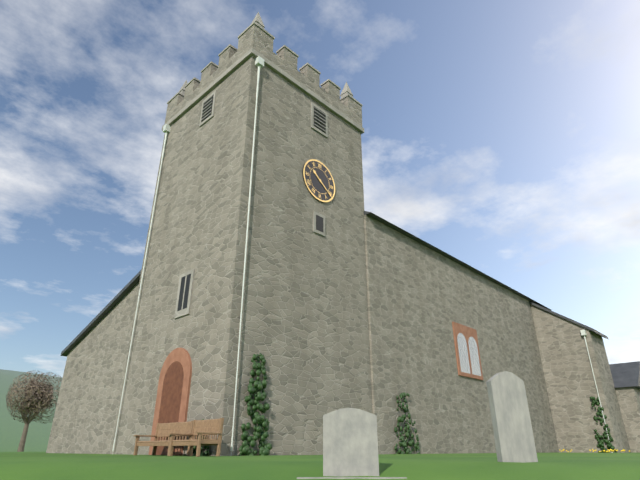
10:21
